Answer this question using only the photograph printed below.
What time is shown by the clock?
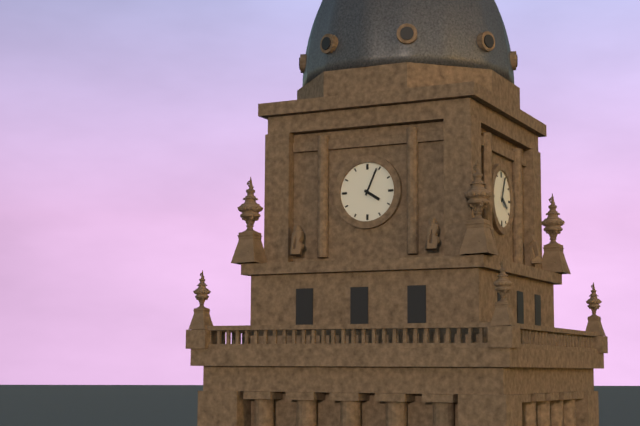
4:04
